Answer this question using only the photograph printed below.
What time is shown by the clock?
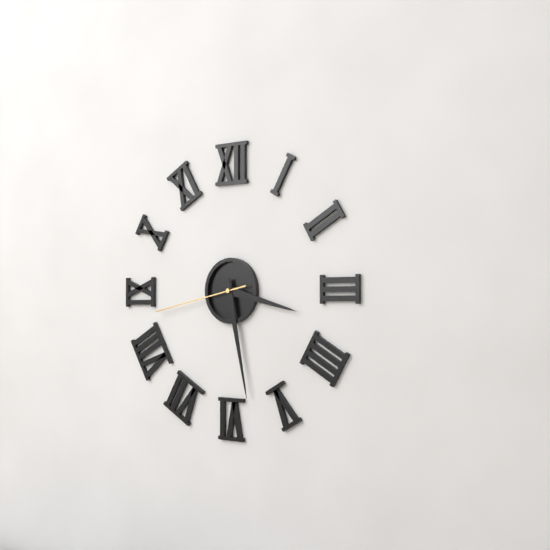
3:28:43
